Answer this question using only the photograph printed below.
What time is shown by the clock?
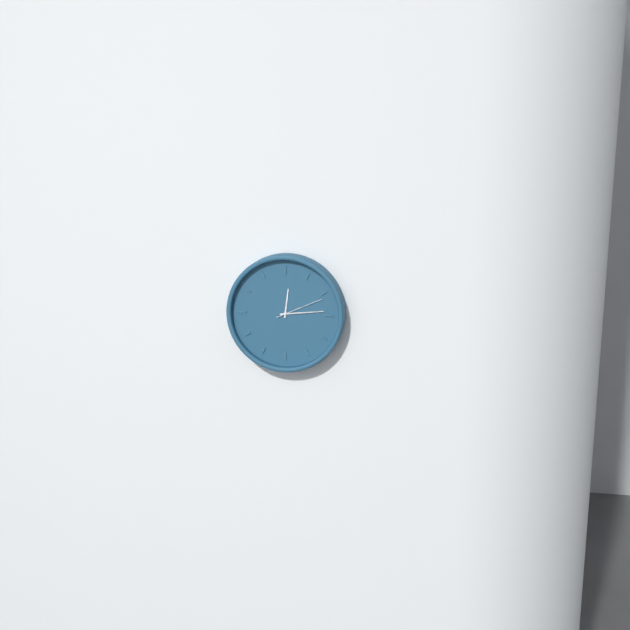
12:14
